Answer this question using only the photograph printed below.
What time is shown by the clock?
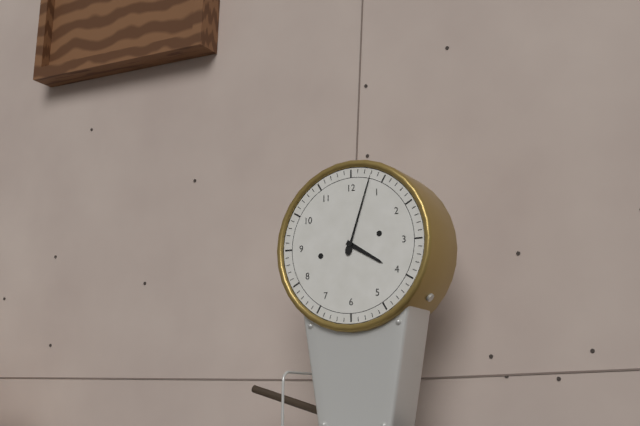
4:03
